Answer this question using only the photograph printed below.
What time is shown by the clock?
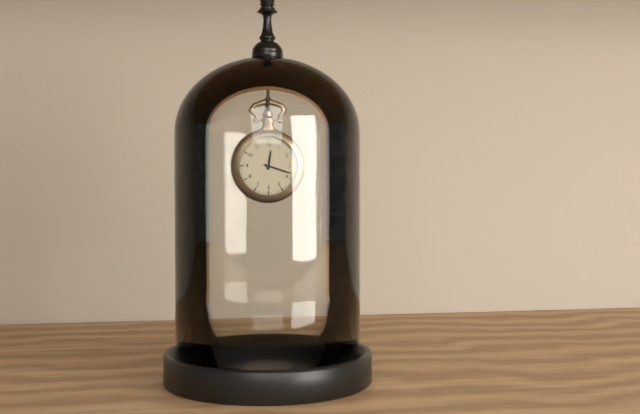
12:18
